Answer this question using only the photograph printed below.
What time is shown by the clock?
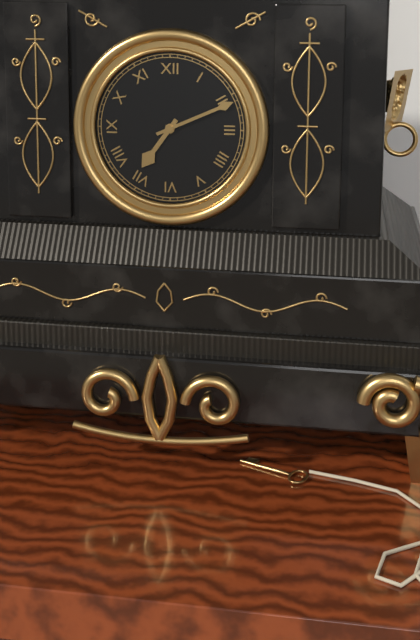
7:11
